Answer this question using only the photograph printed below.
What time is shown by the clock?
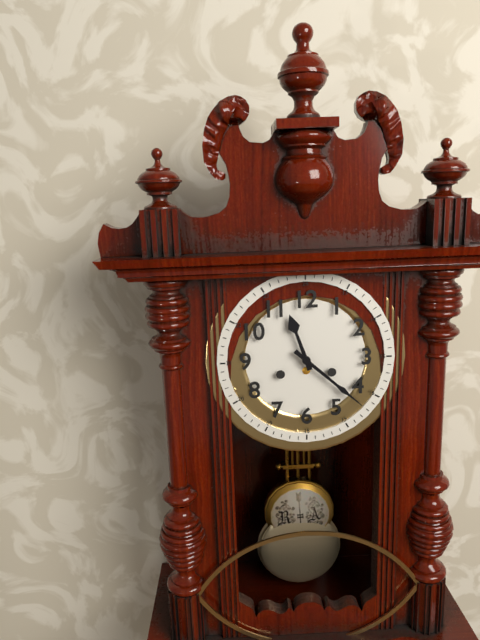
11:22
